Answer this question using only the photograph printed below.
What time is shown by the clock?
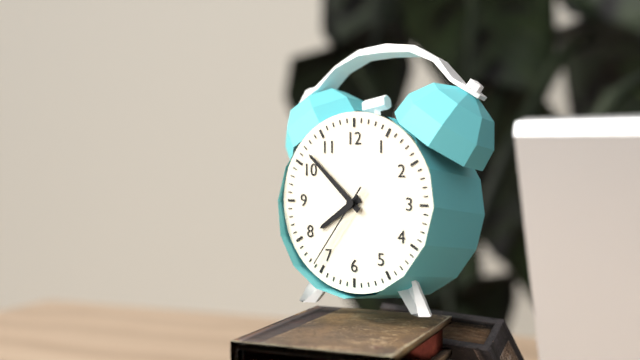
7:52:36
